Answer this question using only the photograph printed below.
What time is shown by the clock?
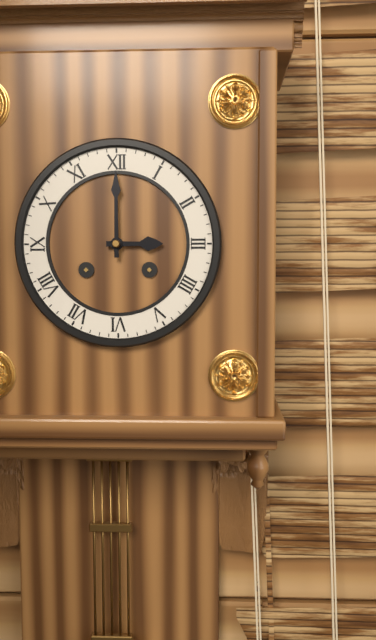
3:00
